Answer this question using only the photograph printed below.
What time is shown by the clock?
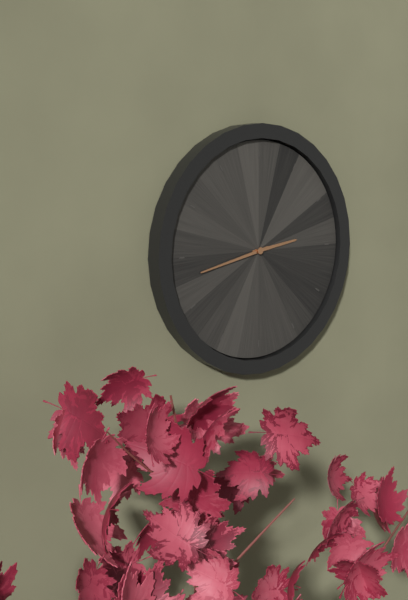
2:43
